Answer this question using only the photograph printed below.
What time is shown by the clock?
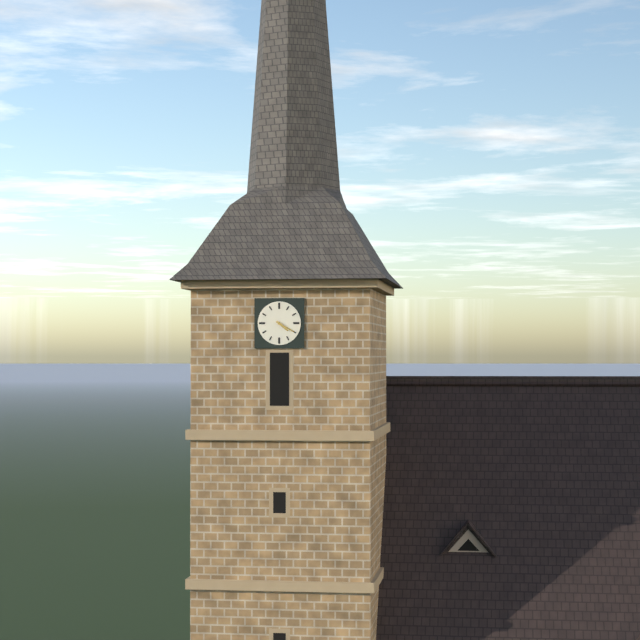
4:20
